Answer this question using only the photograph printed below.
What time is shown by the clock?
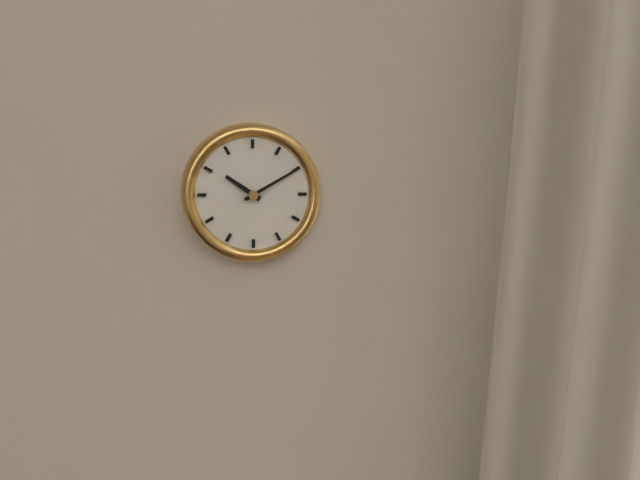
10:10
